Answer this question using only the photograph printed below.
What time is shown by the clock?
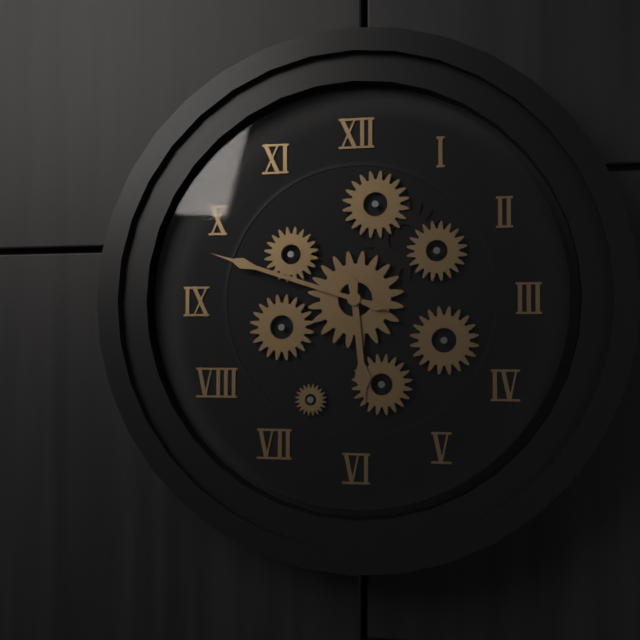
5:48
